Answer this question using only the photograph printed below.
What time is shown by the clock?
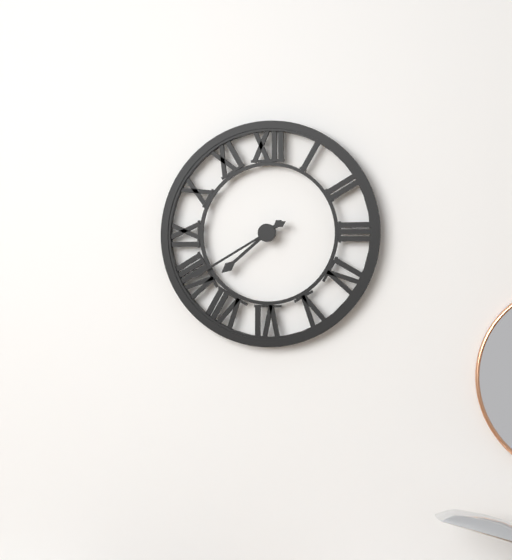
7:40
